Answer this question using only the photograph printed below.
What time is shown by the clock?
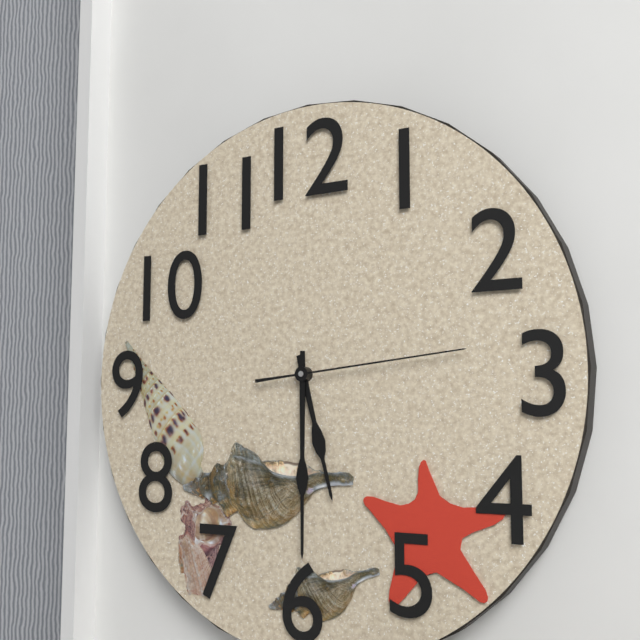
5:30:14
